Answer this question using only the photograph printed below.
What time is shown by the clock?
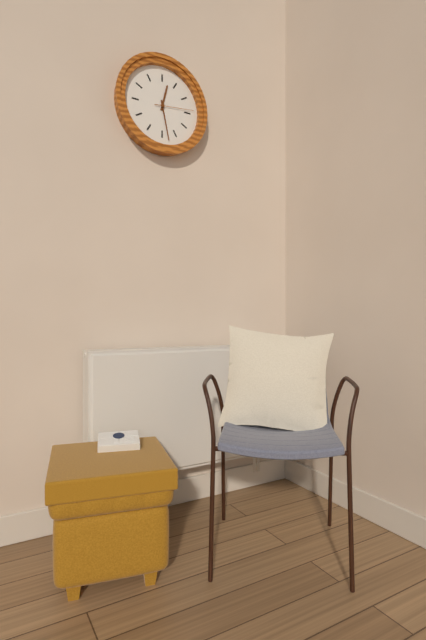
12:28
